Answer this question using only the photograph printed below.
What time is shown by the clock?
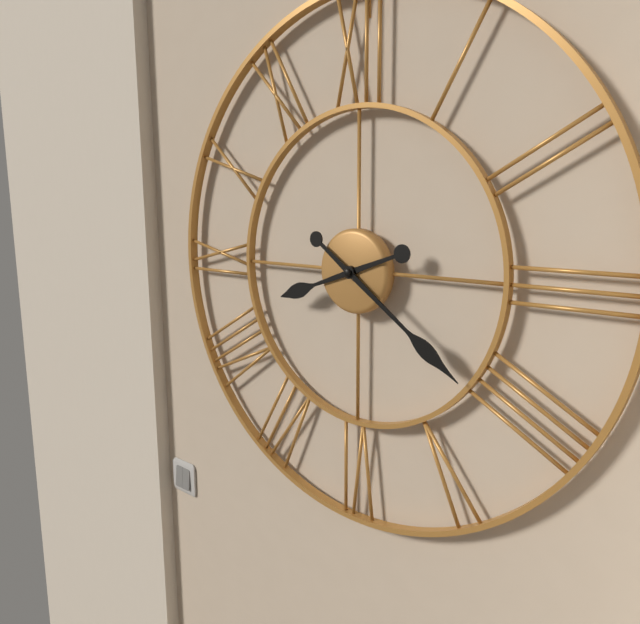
8:21
